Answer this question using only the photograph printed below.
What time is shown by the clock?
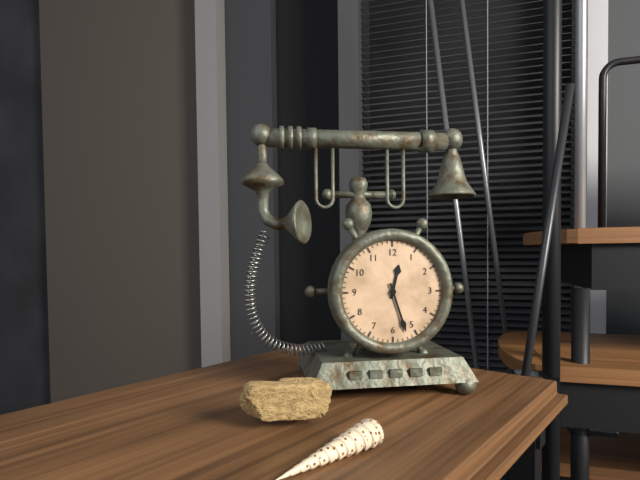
12:27
